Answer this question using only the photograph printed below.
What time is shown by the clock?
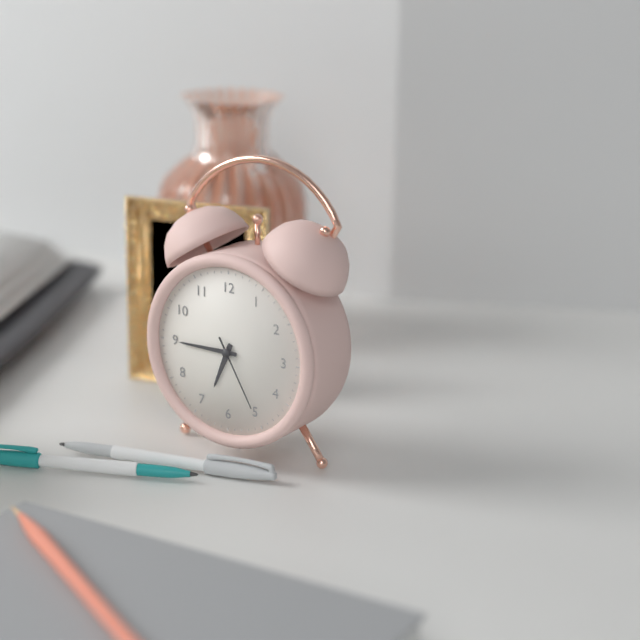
6:45:25
